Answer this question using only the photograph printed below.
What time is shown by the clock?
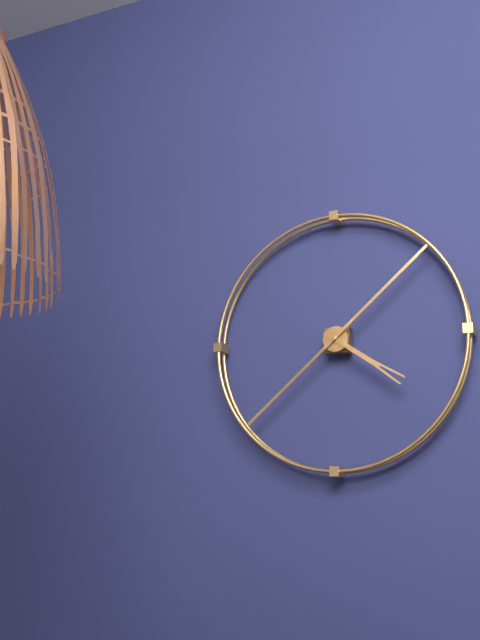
4:08
